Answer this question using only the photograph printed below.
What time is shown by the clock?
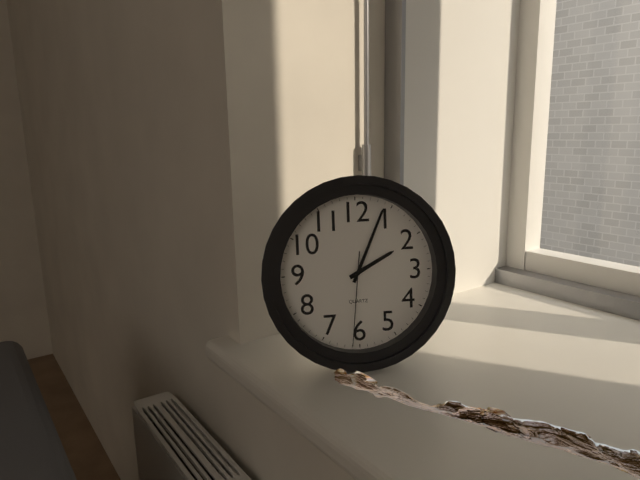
2:04:31
